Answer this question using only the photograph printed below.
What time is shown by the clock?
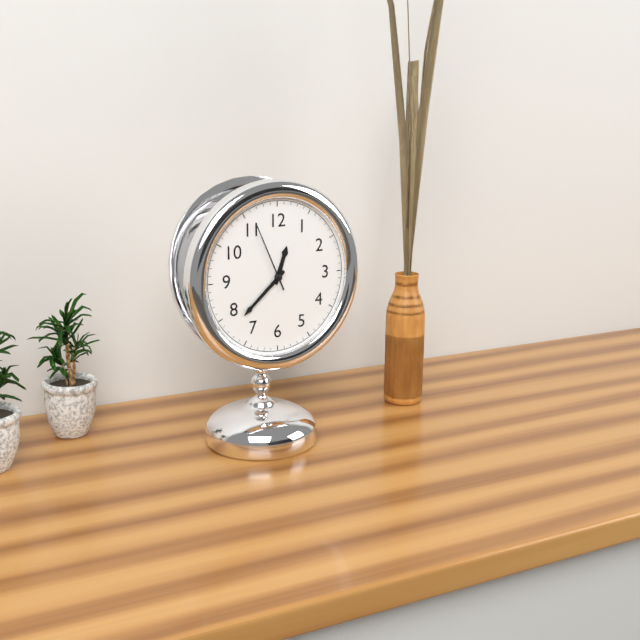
12:38:56
